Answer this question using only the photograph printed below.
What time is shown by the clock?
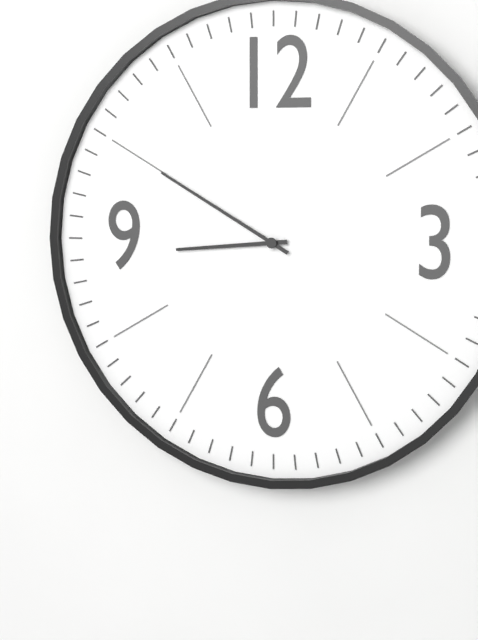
8:50
